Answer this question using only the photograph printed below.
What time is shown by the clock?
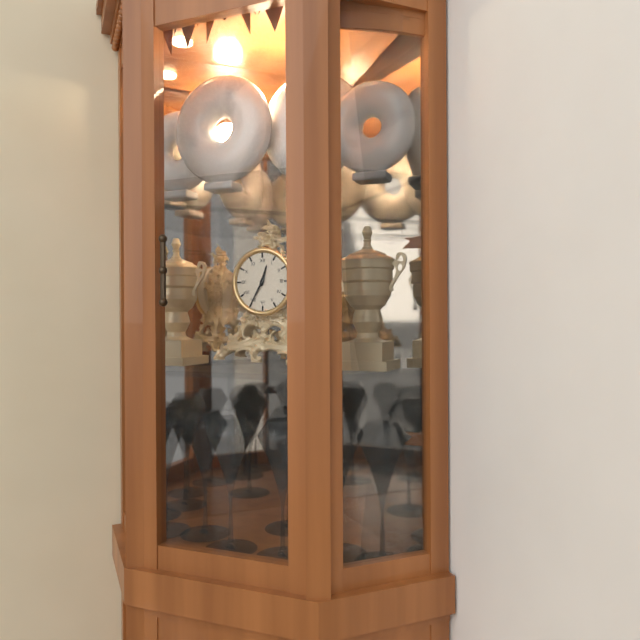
12:35
